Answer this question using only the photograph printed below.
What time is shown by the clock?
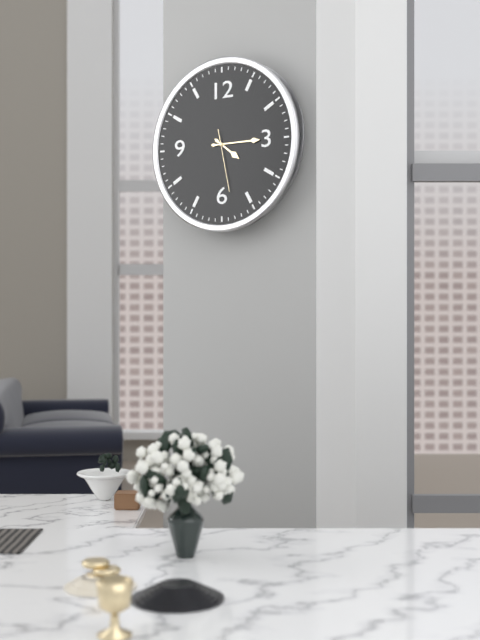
4:15:28
